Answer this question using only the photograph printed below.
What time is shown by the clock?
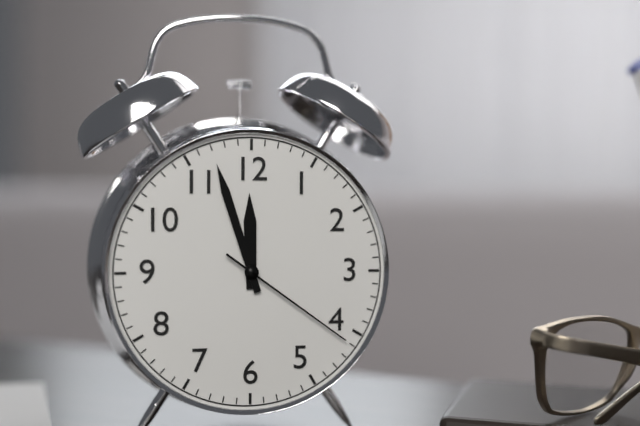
11:57:21
